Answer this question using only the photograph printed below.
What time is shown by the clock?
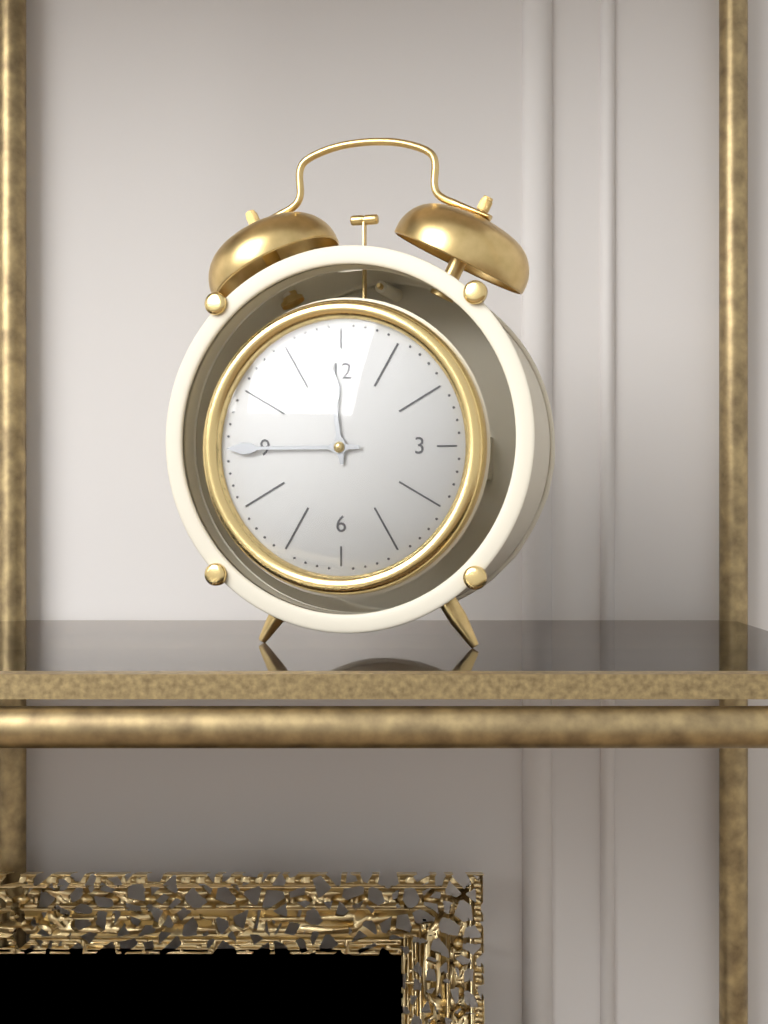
11:45
